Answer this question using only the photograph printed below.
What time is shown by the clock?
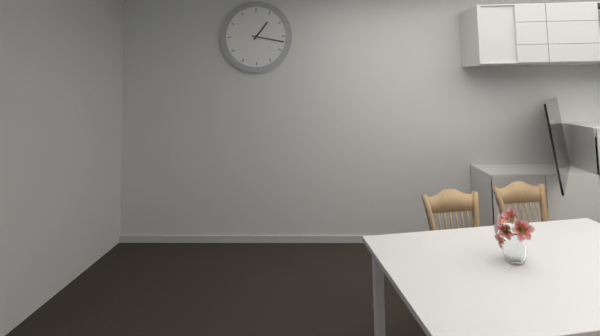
1:17
